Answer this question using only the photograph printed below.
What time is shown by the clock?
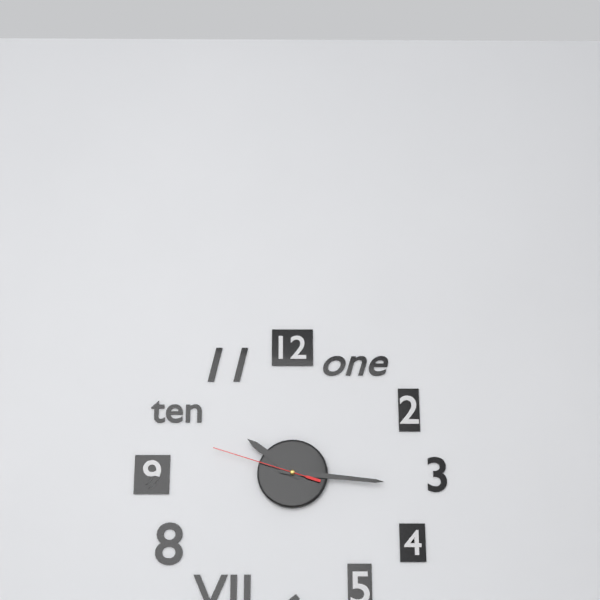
10:16:48
